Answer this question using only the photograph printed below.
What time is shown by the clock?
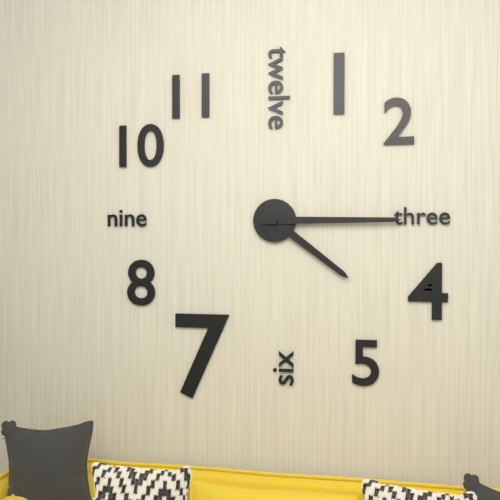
4:15
